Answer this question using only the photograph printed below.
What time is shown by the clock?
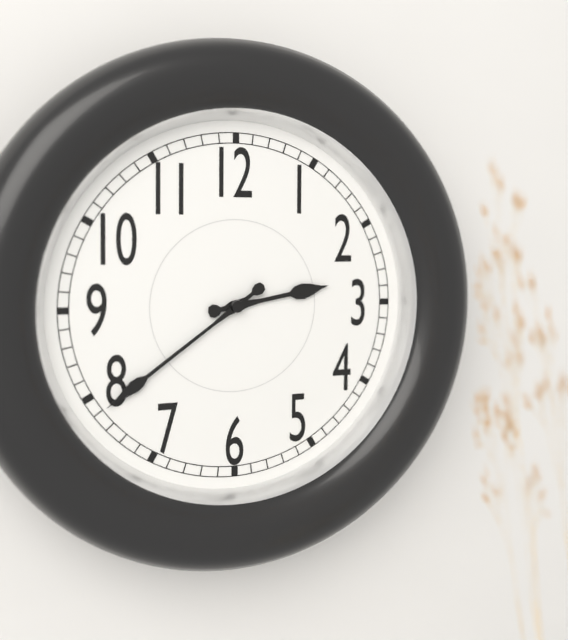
2:39
